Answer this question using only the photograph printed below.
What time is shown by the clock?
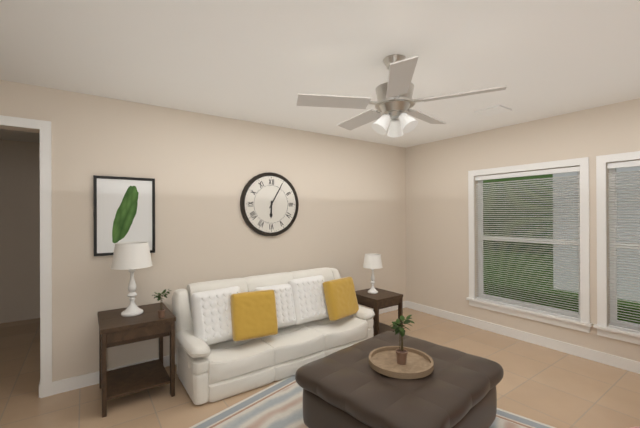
6:05
